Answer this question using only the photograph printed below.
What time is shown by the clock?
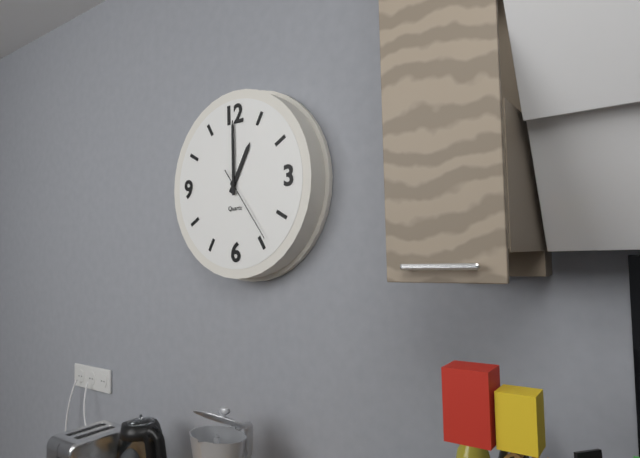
1:00:24
